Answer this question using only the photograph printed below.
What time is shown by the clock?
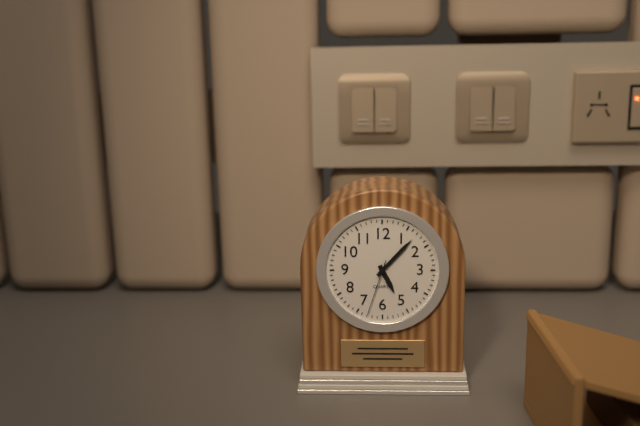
5:07:33
